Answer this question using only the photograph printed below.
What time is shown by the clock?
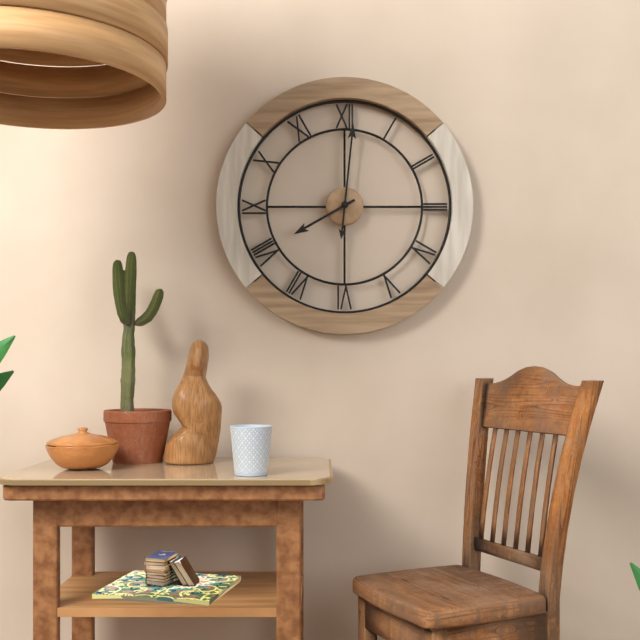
8:01
